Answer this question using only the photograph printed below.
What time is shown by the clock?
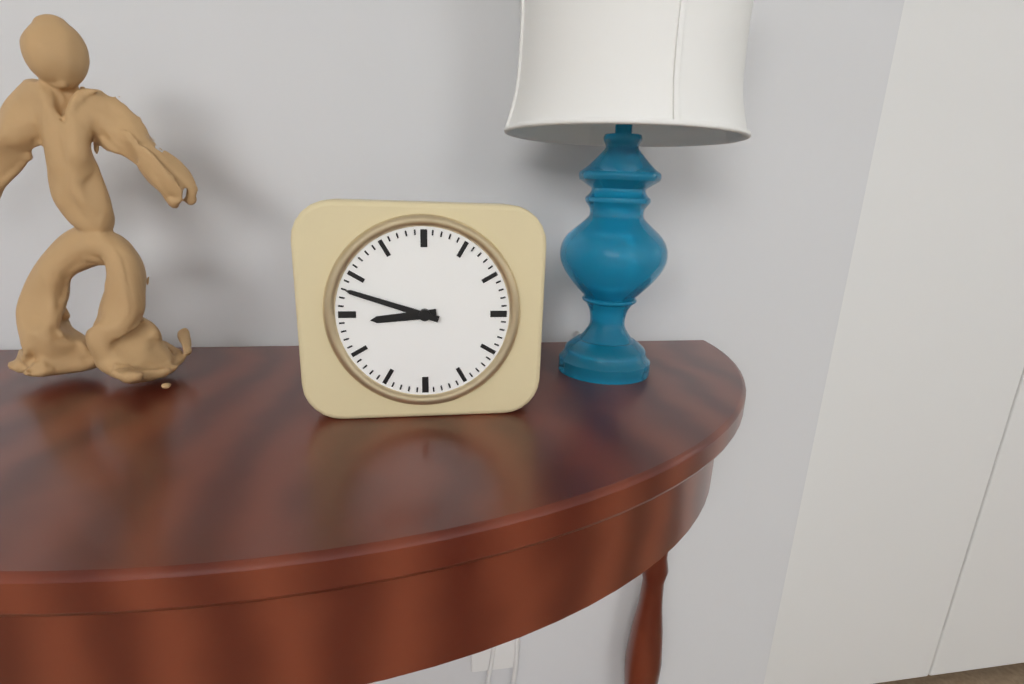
8:48
